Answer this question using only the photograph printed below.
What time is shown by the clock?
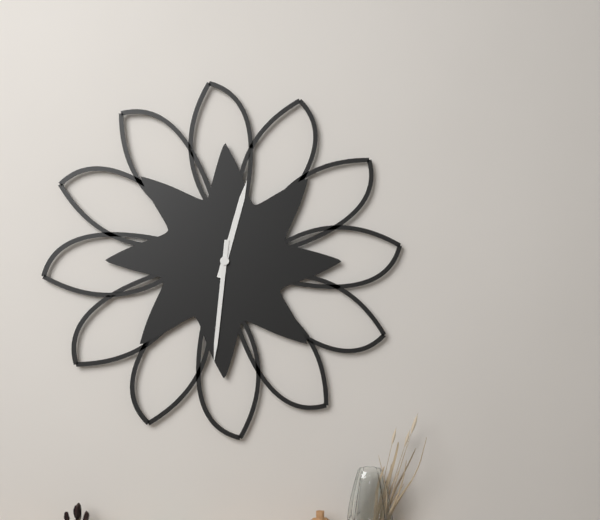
12:31
